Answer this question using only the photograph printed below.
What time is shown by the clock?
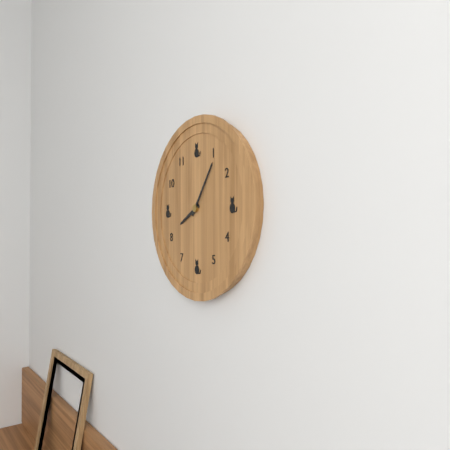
8:06
